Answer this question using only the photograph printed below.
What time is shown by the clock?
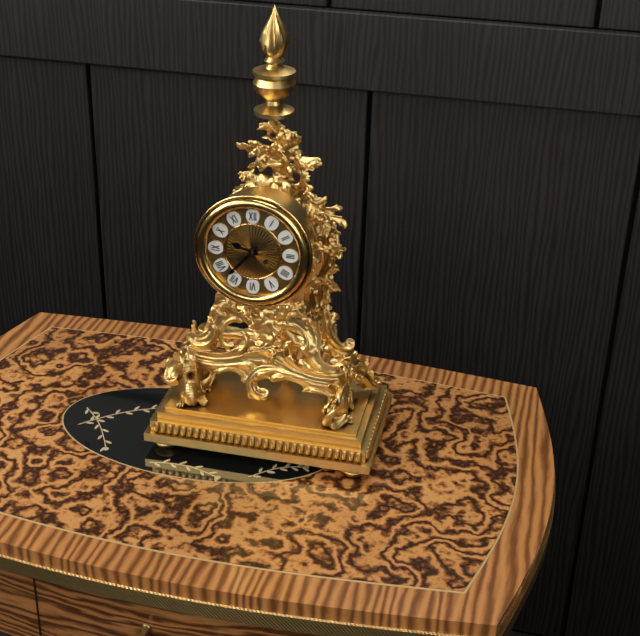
9:37
